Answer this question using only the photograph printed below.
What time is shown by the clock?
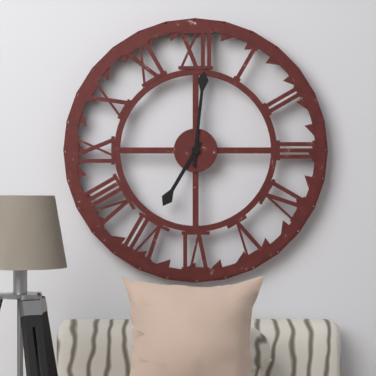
7:01
